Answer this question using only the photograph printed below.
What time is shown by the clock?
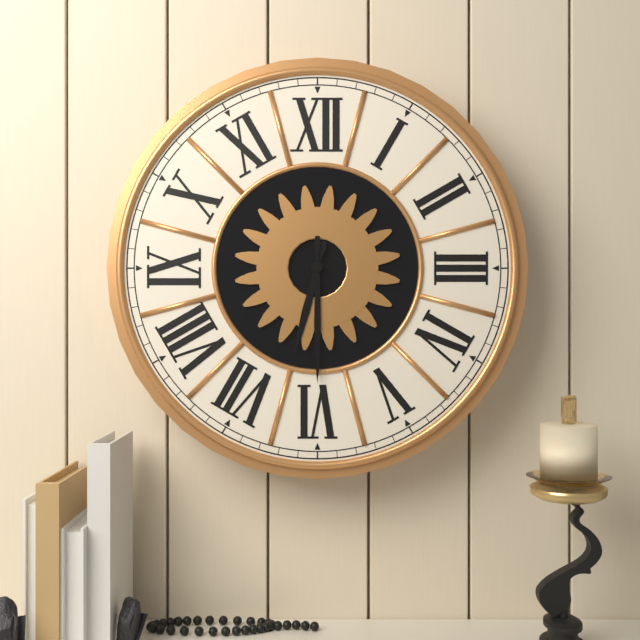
6:30
